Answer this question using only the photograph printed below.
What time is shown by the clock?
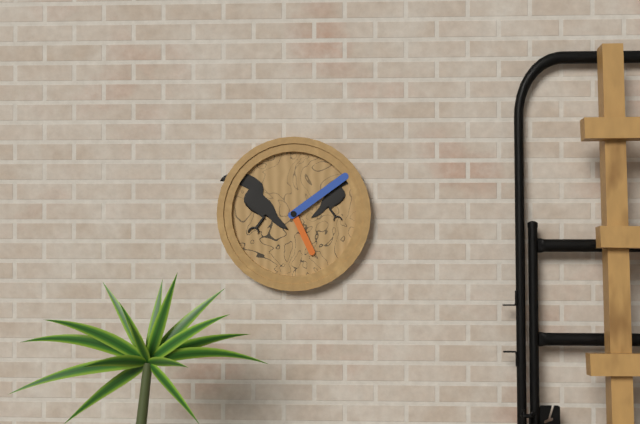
5:09
